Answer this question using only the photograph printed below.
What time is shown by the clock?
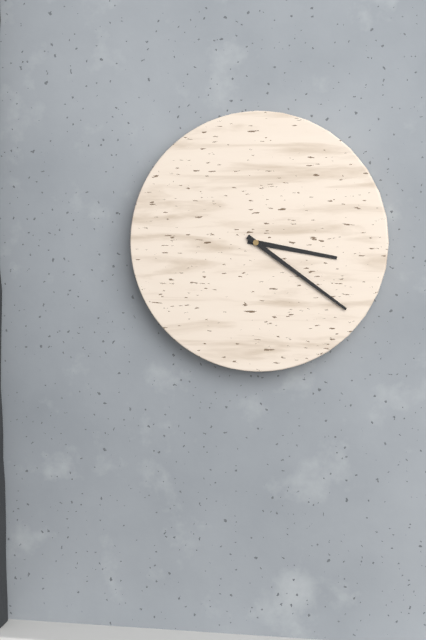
3:21
